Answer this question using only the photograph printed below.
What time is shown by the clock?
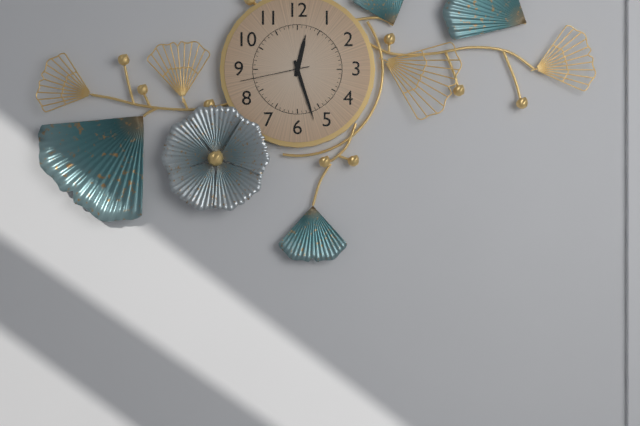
12:27:43
